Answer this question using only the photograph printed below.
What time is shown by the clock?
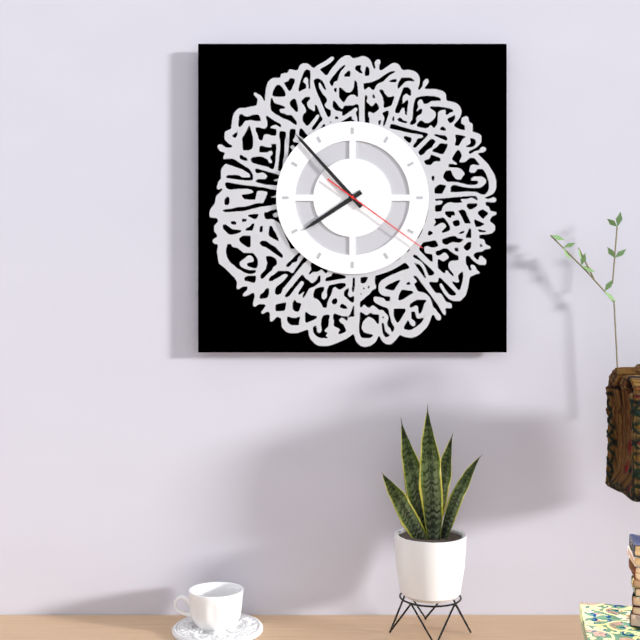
7:53:21
